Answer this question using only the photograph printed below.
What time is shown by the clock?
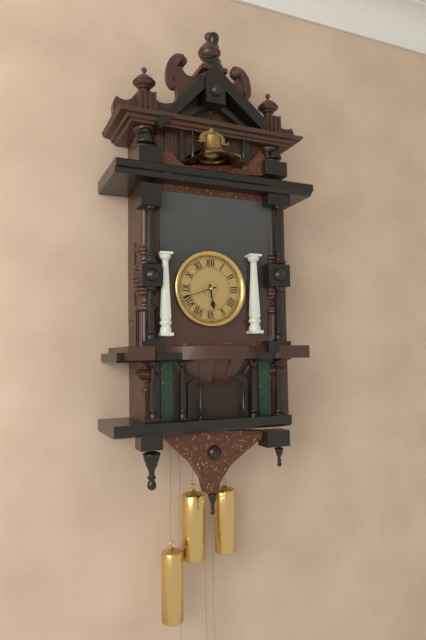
5:42
